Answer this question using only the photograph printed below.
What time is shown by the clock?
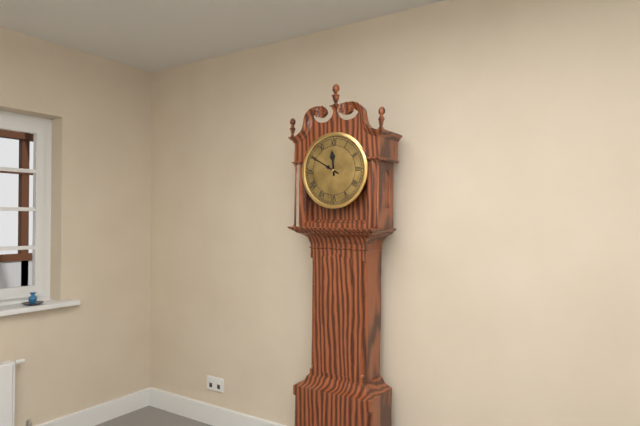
11:50
